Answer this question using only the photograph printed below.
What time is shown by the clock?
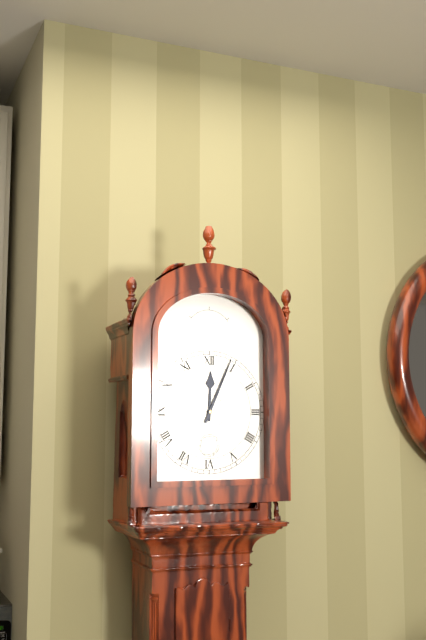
12:04
